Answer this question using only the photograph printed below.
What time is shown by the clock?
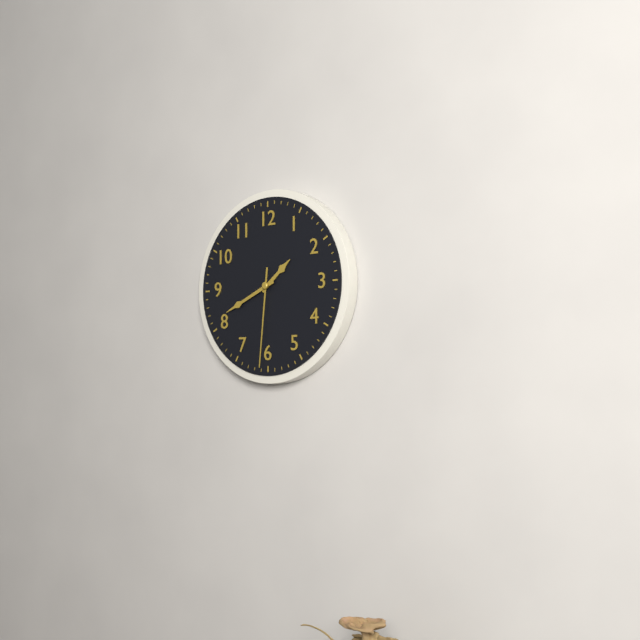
1:41:31
